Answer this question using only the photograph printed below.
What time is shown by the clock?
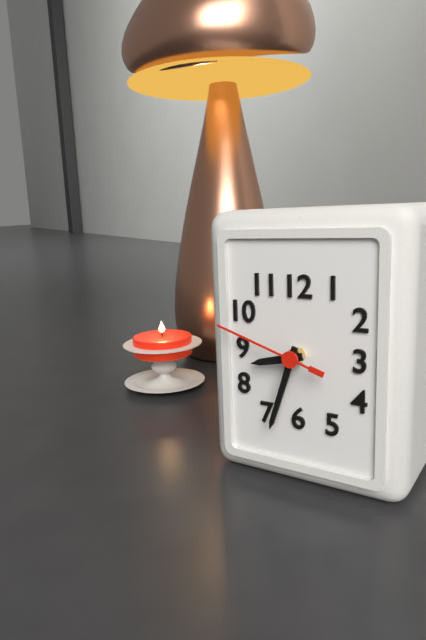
8:33:48
